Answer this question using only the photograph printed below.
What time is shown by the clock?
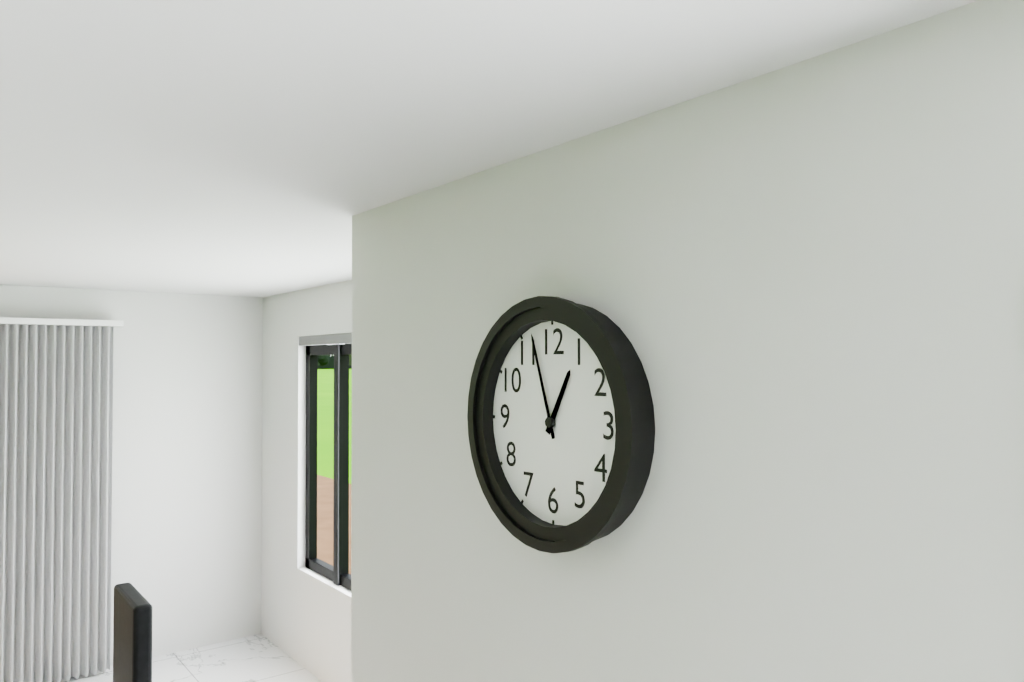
12:57
